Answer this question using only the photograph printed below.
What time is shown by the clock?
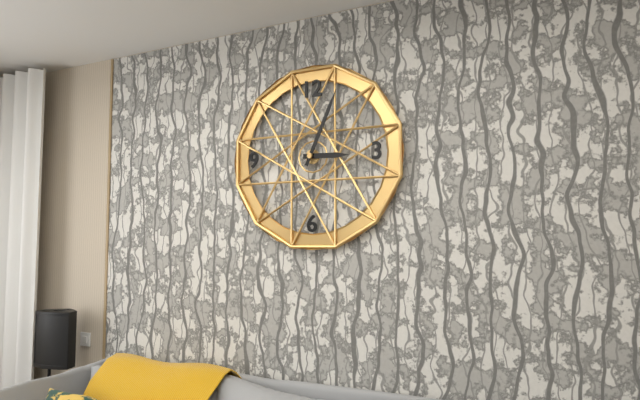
3:04
